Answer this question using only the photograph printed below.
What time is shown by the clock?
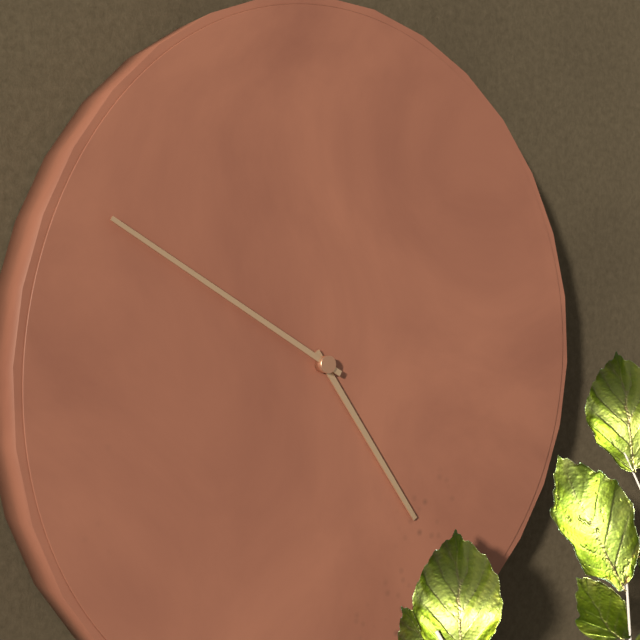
4:50
